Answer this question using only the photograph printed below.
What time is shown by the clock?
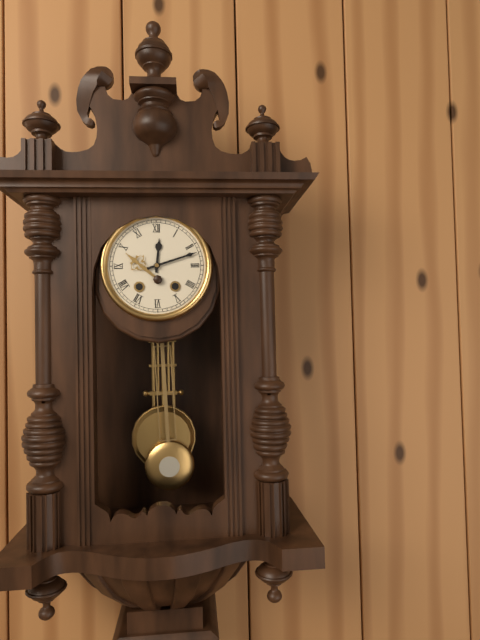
12:12
